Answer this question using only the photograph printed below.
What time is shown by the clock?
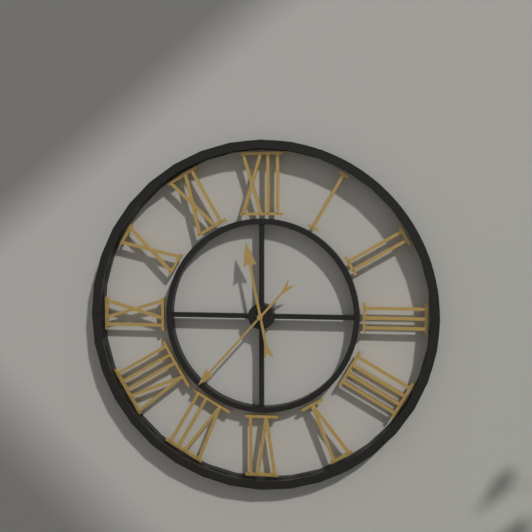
11:37
